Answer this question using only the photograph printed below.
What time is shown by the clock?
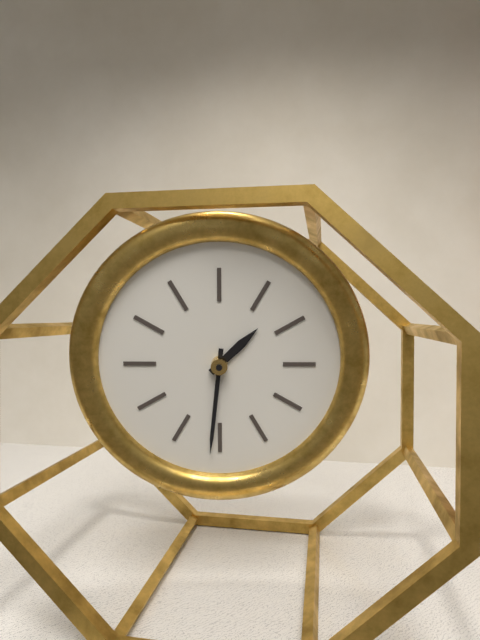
1:31
